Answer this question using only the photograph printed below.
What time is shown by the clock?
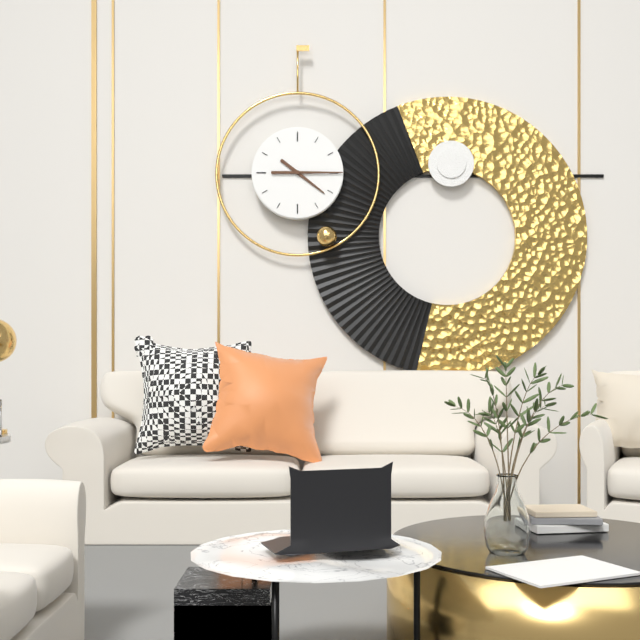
4:15
